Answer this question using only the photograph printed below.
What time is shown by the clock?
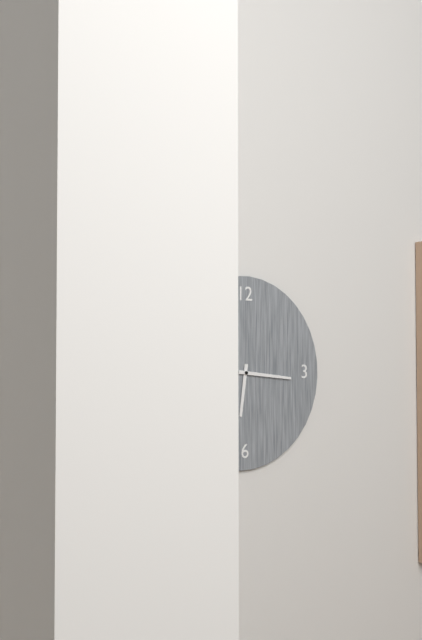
6:16
